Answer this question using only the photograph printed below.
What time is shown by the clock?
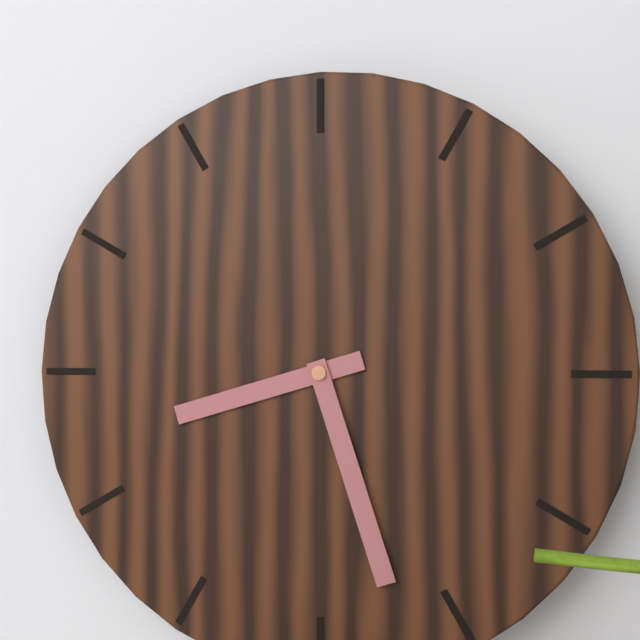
8:27
